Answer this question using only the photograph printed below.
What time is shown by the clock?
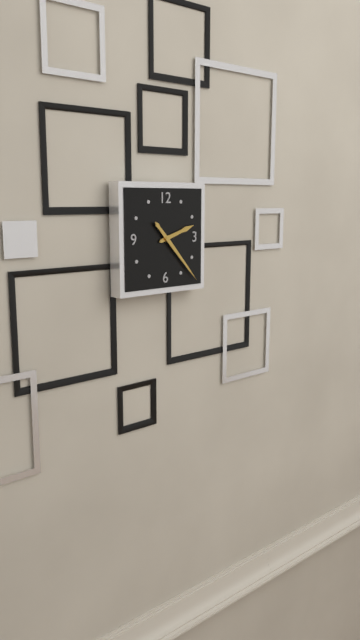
2:23
